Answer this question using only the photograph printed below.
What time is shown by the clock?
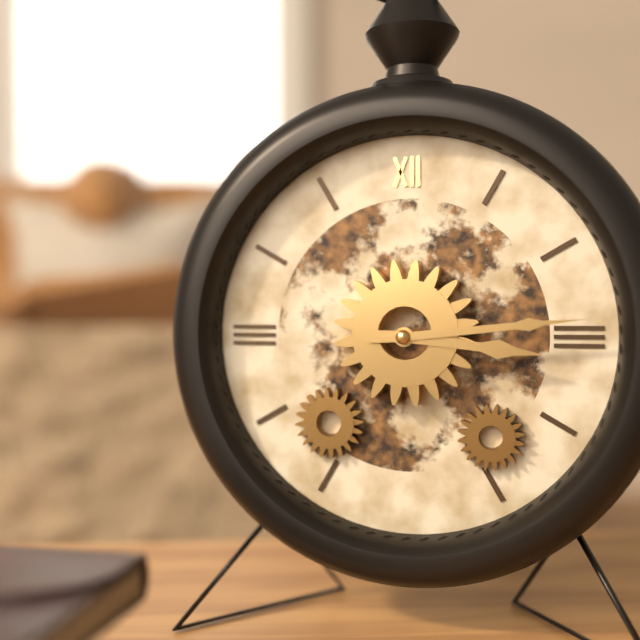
3:14
